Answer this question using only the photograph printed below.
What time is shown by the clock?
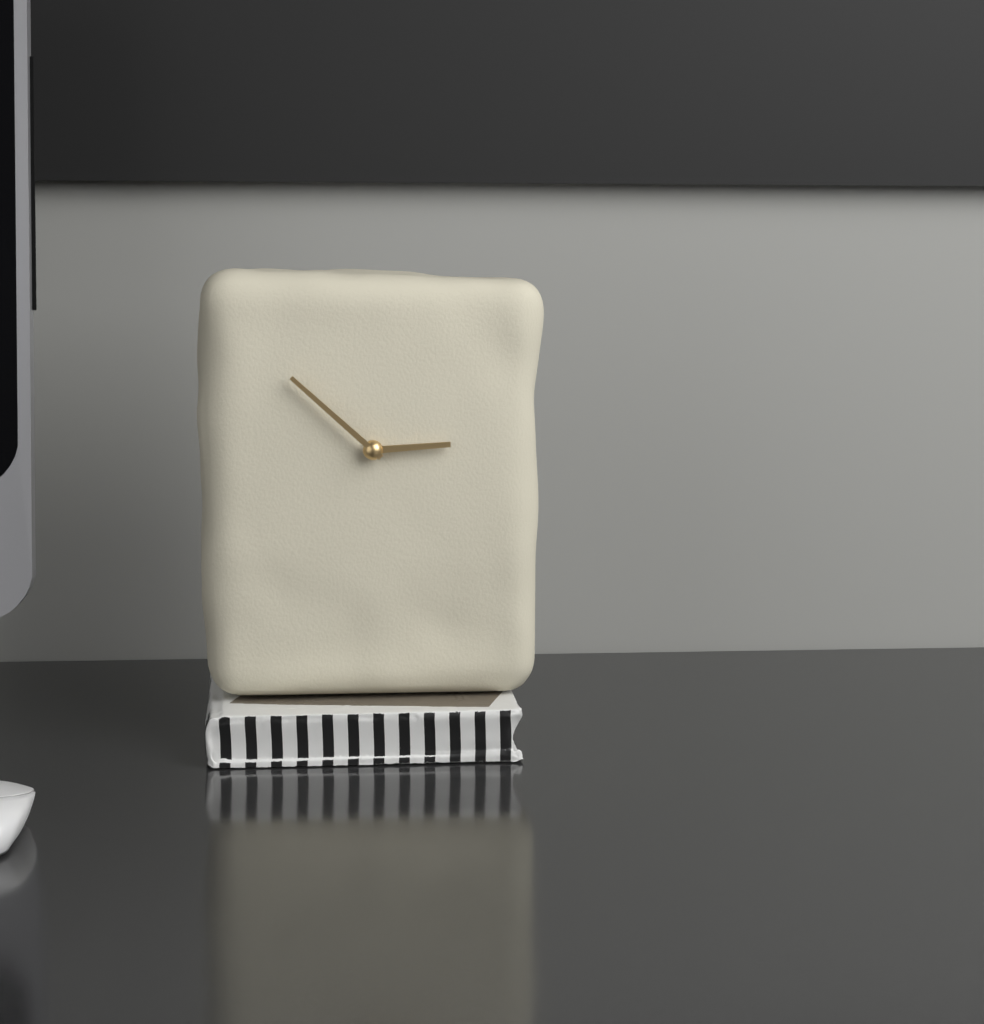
2:52
